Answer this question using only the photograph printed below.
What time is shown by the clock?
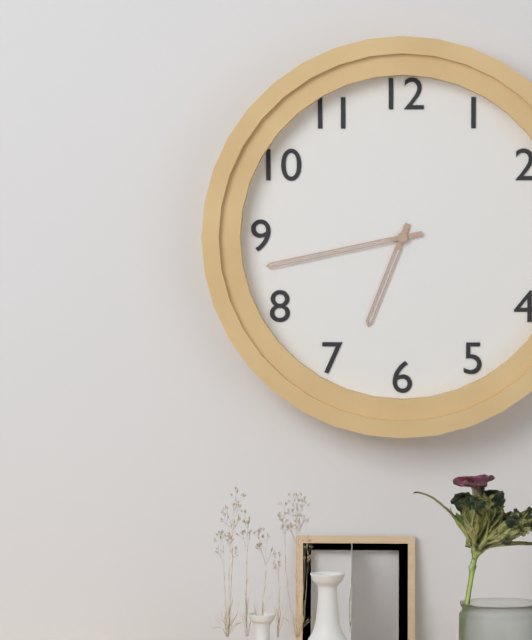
6:43
